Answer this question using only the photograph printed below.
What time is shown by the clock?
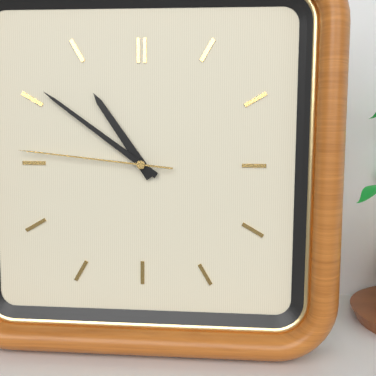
10:51:46
